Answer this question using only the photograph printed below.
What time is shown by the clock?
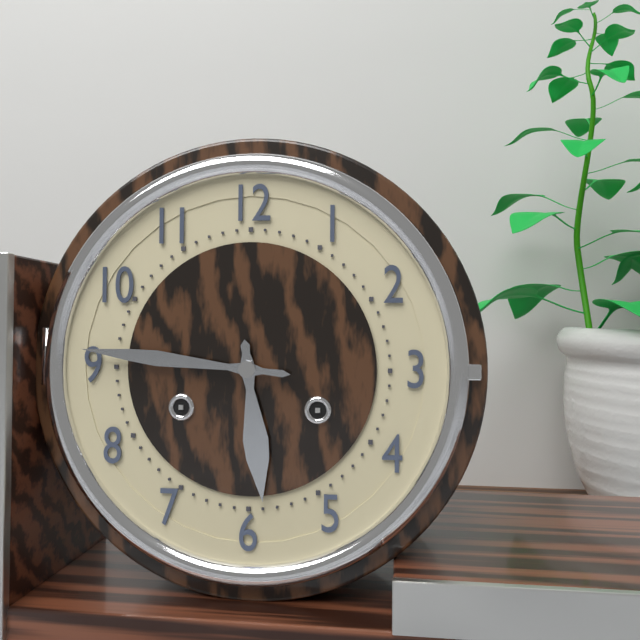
5:46
